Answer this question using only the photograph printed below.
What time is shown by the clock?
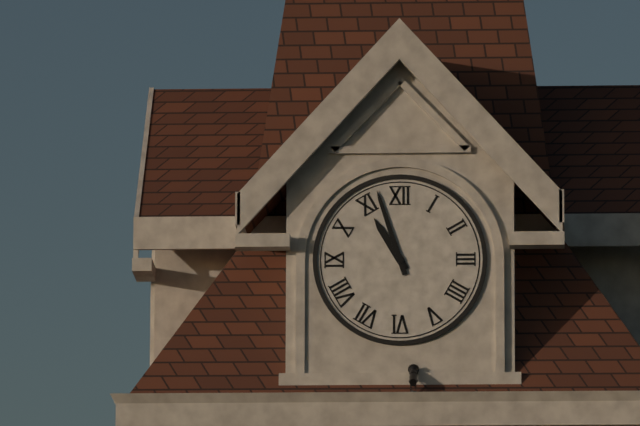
10:57
